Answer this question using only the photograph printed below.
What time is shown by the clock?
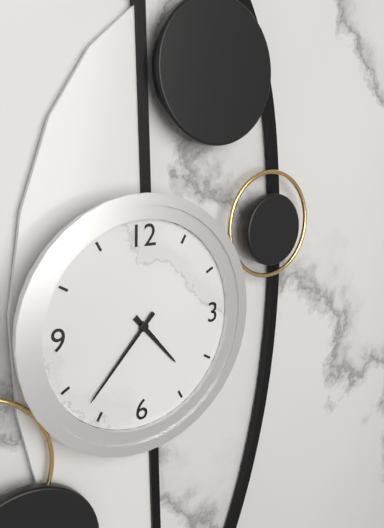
4:37
